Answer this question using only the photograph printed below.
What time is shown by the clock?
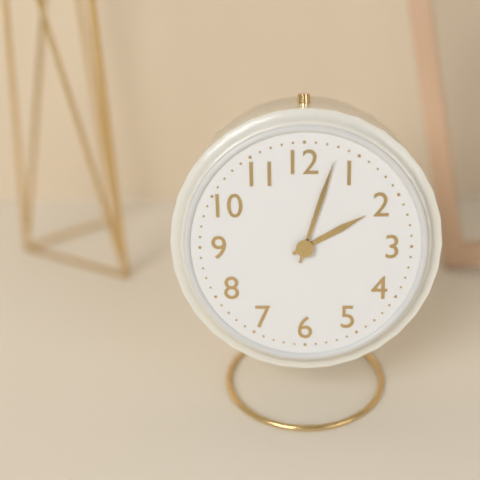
2:03
